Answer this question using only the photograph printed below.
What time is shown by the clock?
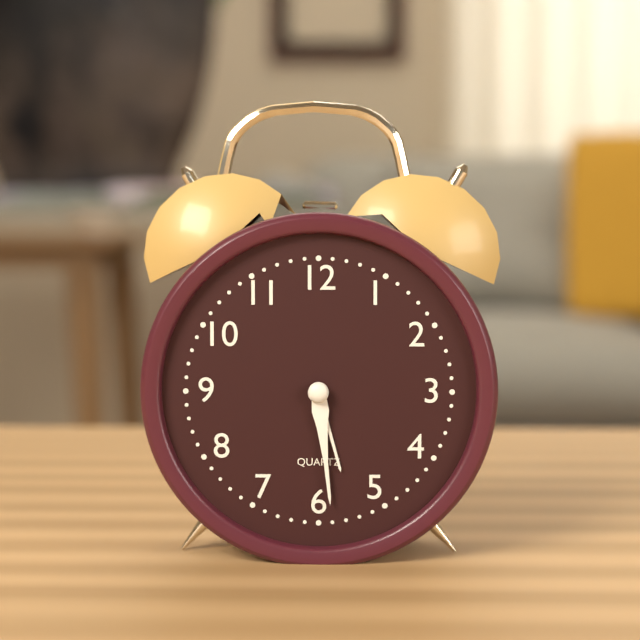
5:29
